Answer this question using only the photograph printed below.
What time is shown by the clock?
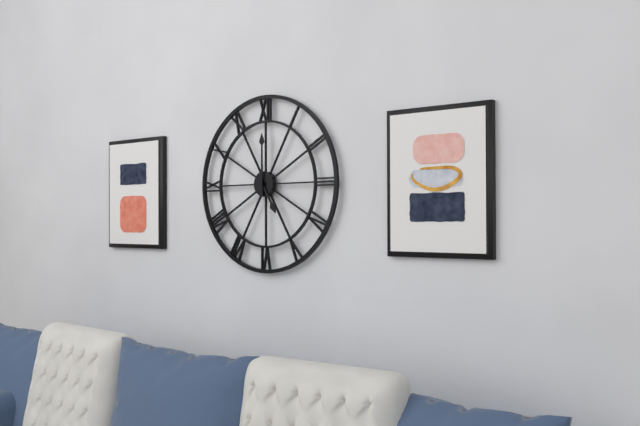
5:00
